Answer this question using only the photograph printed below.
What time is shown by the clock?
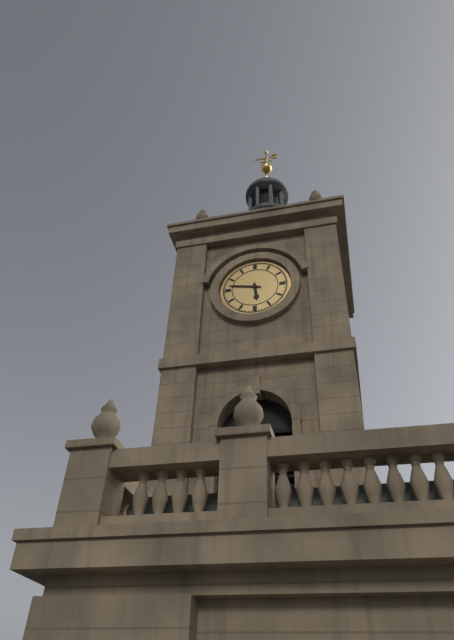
5:47
